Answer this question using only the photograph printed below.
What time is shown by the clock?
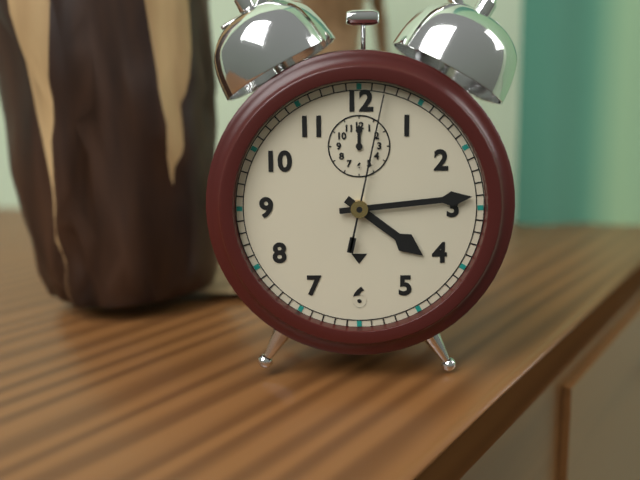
4:14:02
